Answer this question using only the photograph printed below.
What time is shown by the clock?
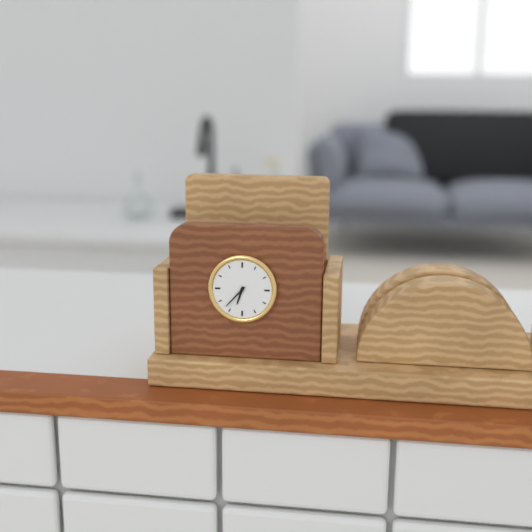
6:37
